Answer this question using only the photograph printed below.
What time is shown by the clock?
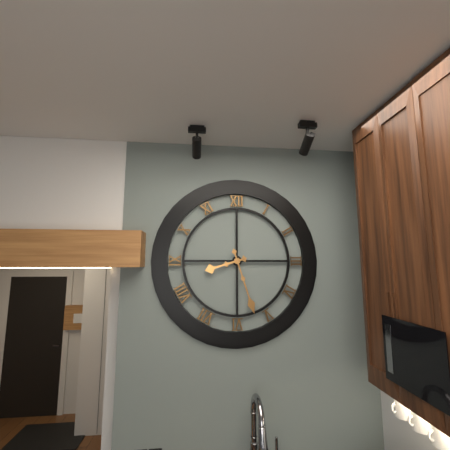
8:27
